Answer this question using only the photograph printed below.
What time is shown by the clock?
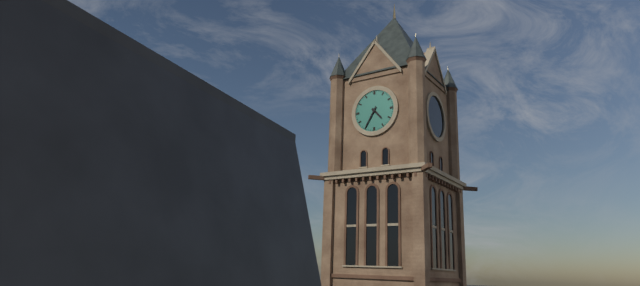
4:35
